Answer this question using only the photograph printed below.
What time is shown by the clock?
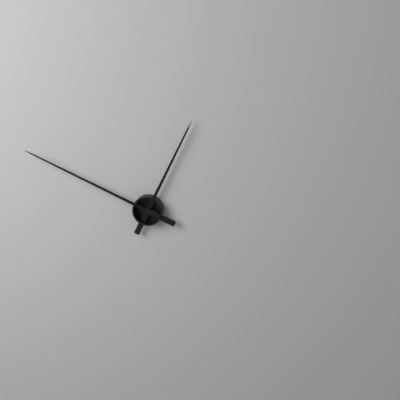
12:49
